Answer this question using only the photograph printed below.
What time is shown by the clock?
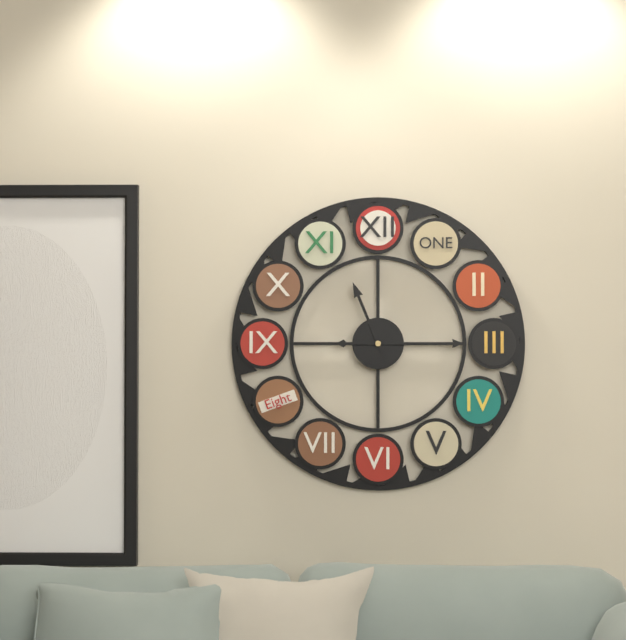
11:15
